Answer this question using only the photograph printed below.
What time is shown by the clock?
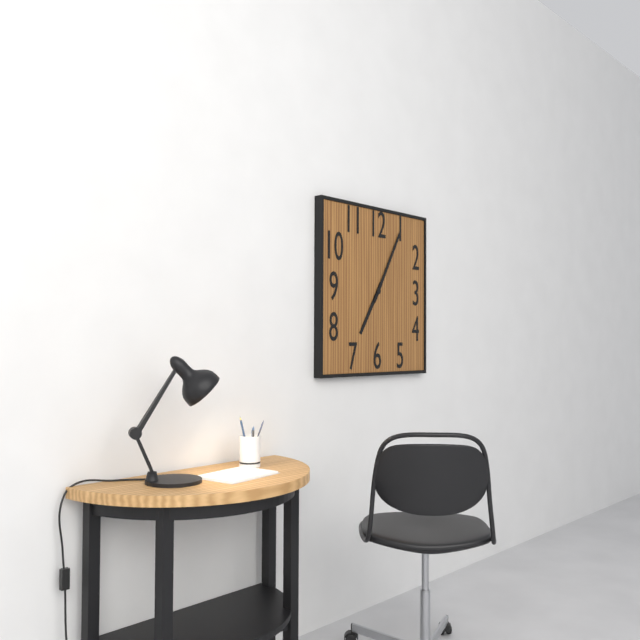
7:05
